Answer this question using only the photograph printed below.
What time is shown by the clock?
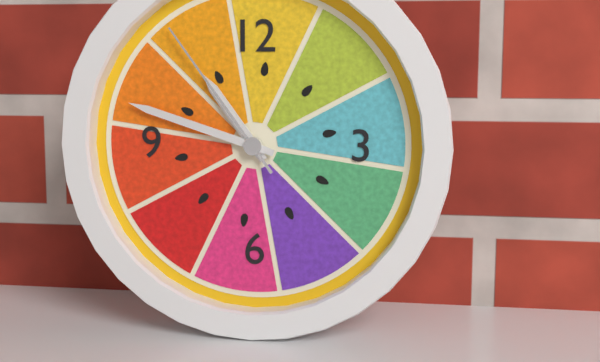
10:48:54
